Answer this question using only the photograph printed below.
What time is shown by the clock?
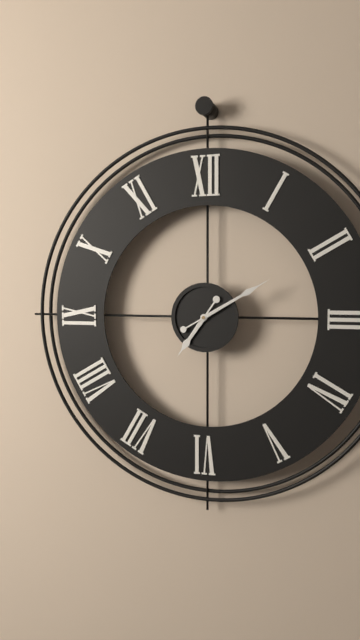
7:10
